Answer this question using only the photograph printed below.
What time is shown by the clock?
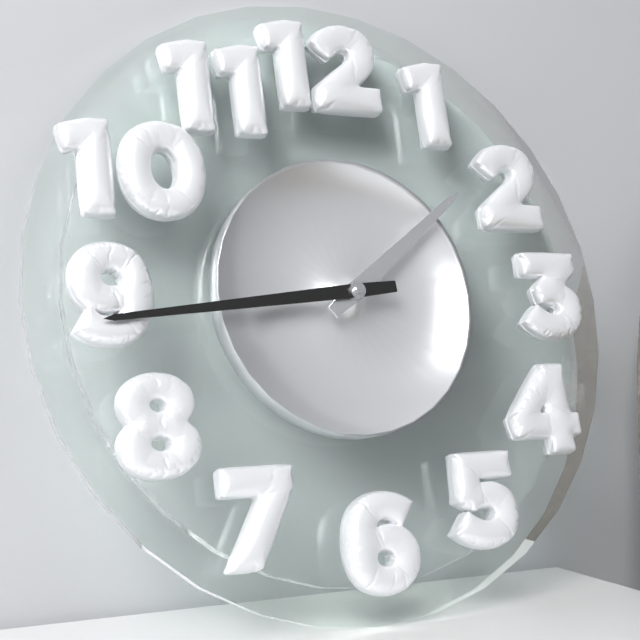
1:44
